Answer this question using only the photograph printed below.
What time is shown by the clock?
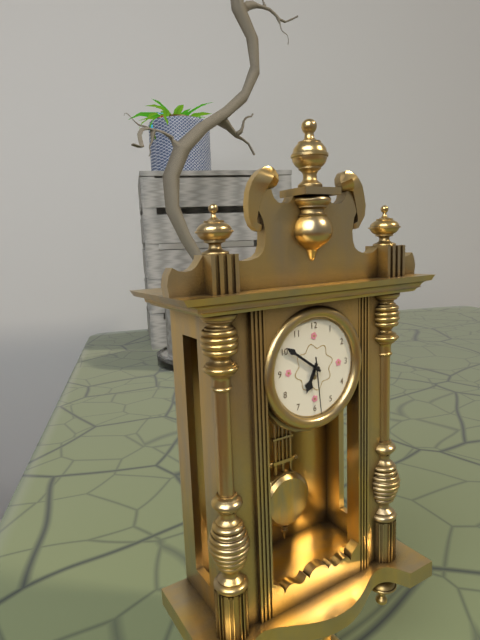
6:51:29
